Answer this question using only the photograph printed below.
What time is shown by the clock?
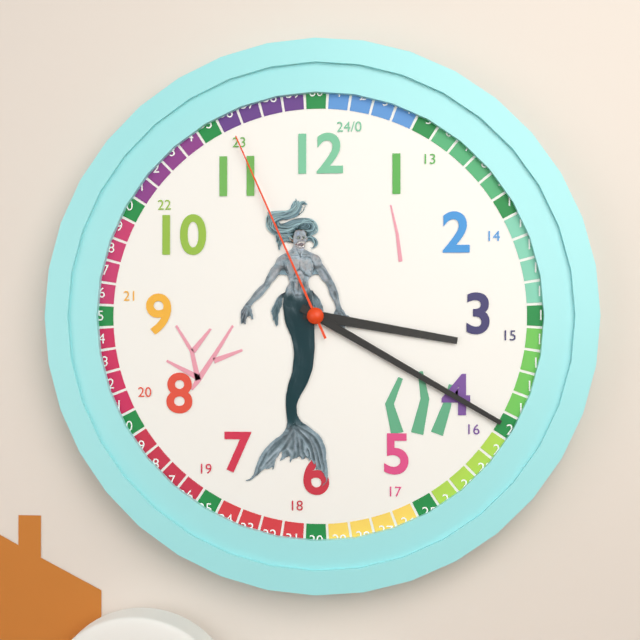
3:20:56
